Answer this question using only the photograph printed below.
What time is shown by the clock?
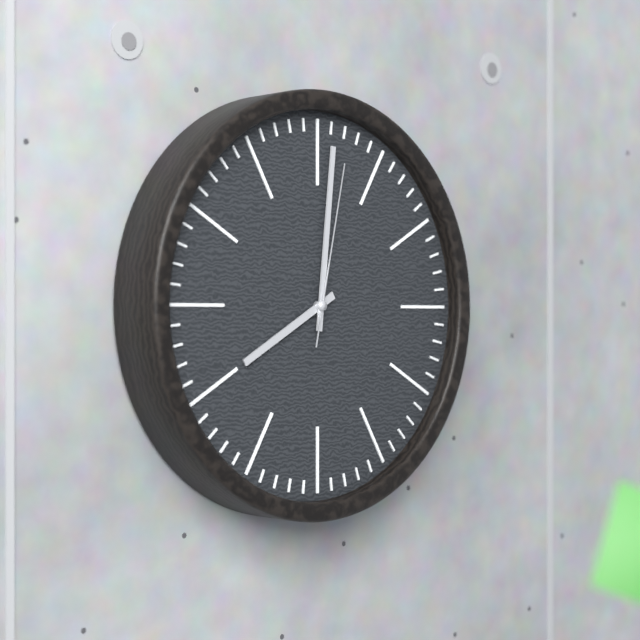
8:01:02
